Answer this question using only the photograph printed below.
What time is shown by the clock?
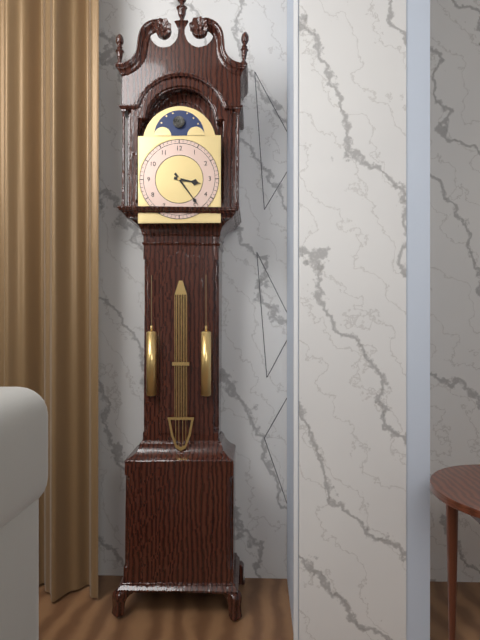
3:24
